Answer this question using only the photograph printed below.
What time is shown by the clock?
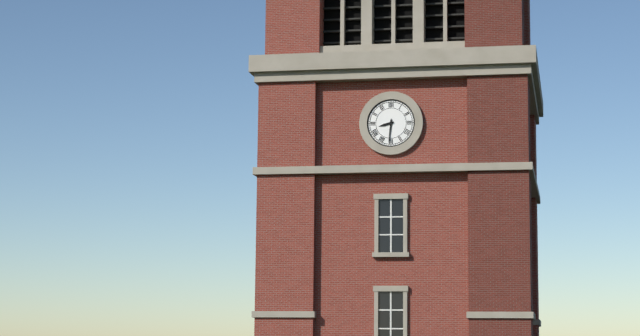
8:31
